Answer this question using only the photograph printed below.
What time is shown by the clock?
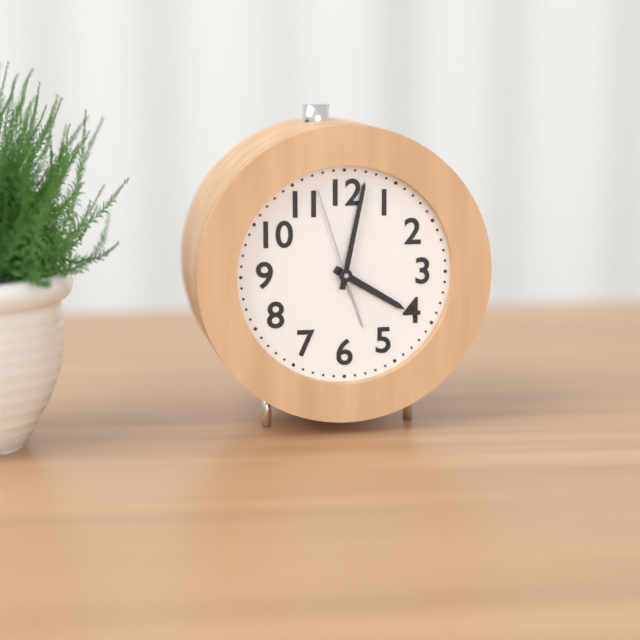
4:02:57
